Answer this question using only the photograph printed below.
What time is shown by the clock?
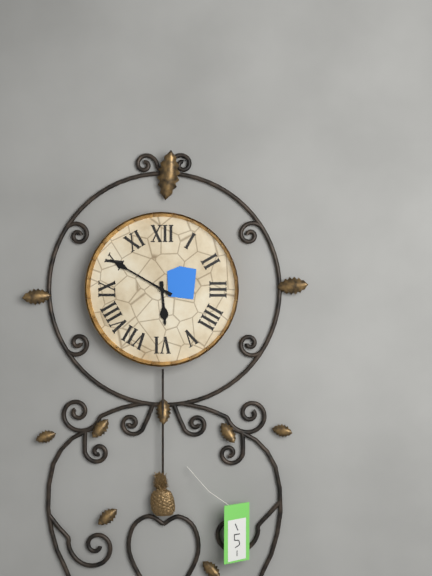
5:50
